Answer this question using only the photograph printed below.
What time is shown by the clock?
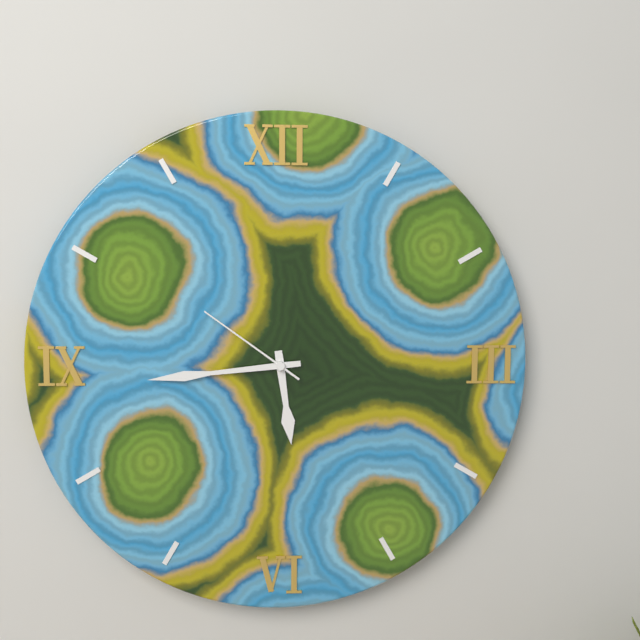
5:44:51
